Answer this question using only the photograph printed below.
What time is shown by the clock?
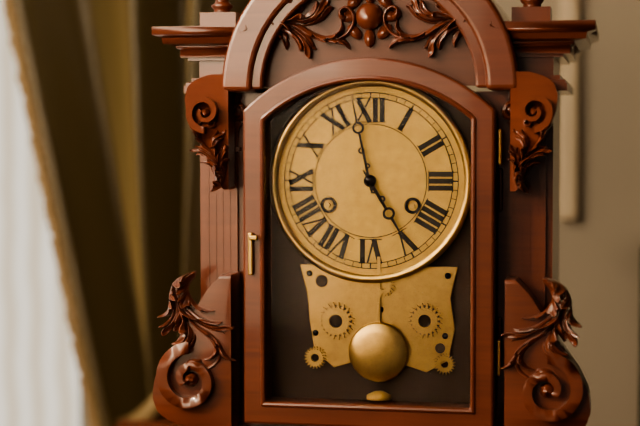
4:58
